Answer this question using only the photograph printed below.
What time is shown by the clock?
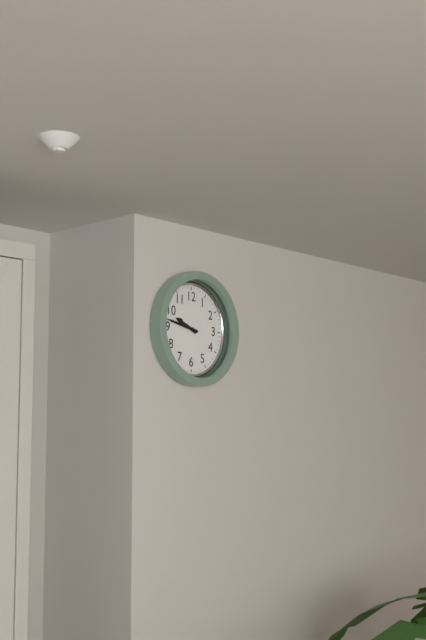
9:47
